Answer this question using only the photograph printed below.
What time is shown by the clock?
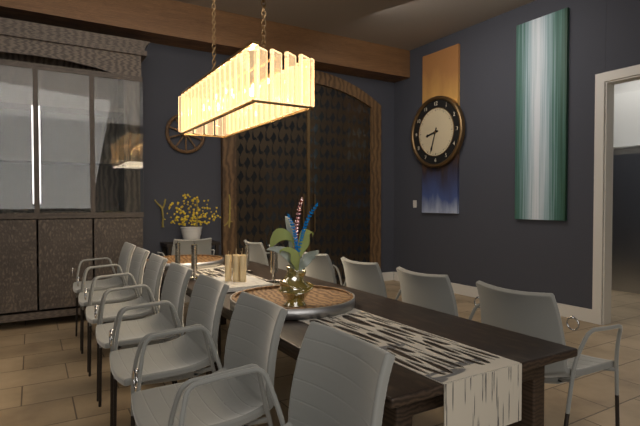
8:33
